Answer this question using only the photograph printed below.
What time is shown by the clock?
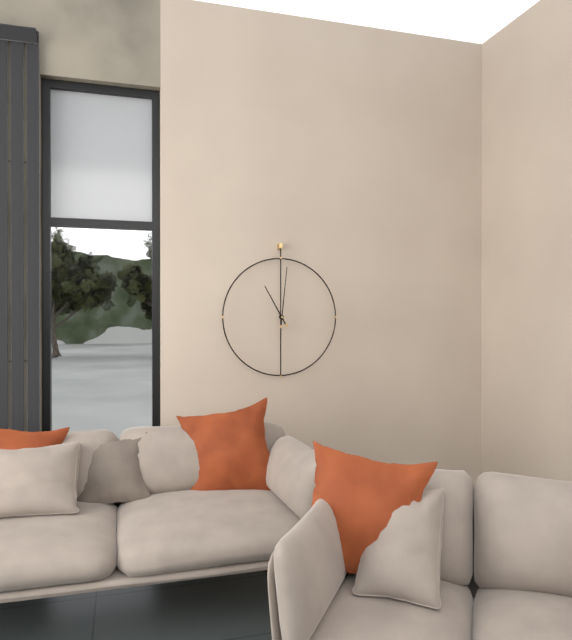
11:01
